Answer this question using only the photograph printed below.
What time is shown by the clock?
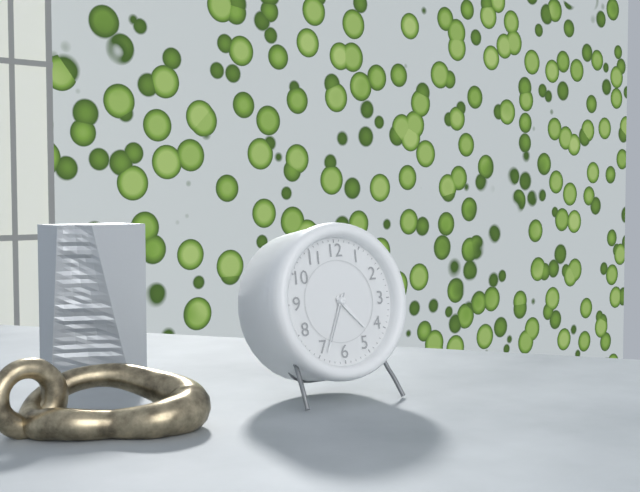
4:34:34
